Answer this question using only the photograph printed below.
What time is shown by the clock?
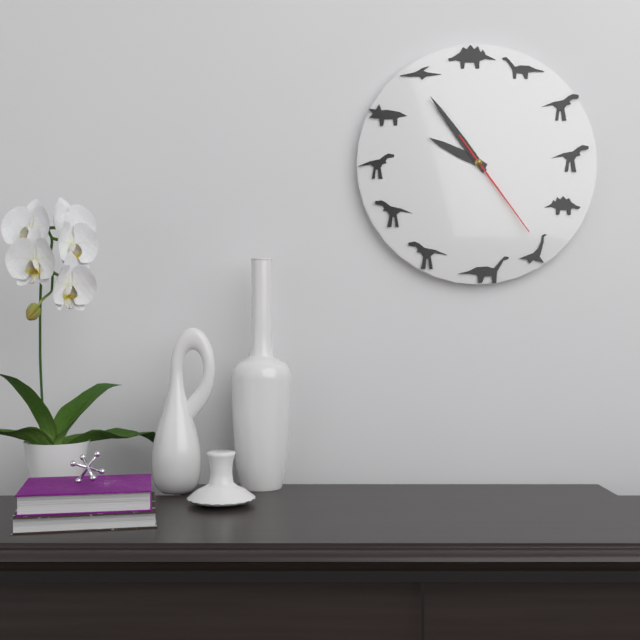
9:54:24
